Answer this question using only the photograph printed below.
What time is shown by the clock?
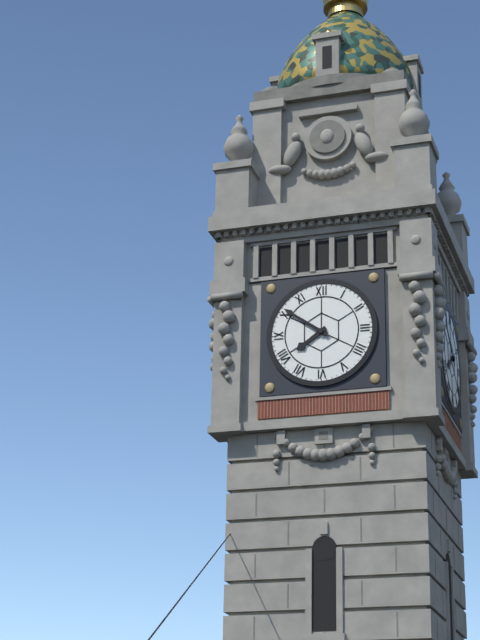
7:51
